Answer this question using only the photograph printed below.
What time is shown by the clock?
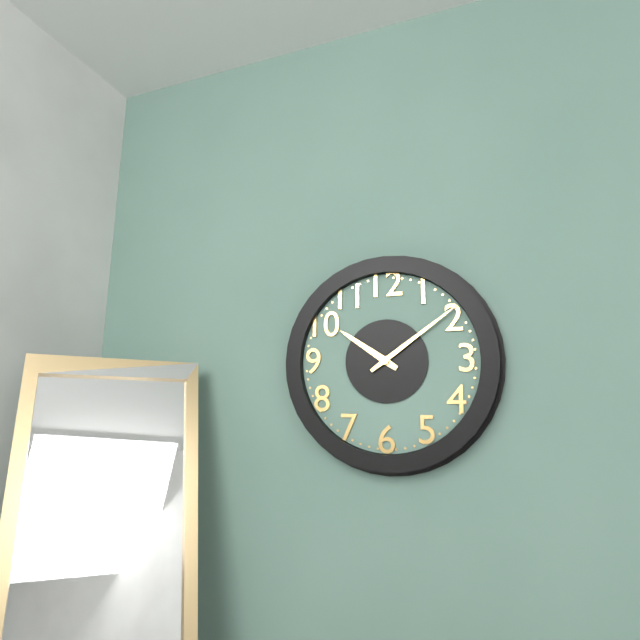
10:09
